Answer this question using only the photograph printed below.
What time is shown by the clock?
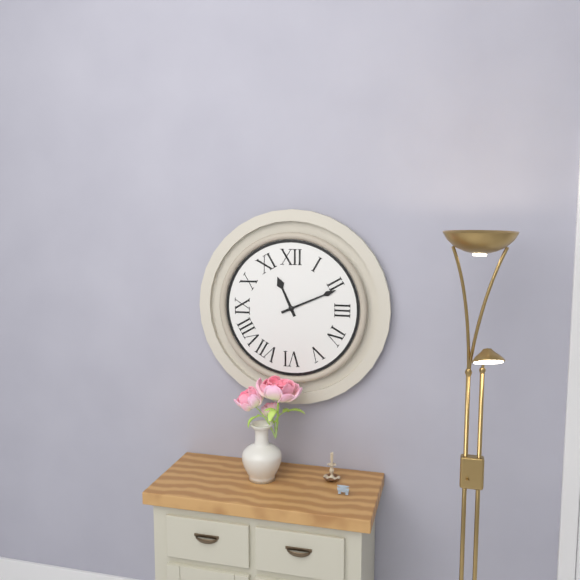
11:11
